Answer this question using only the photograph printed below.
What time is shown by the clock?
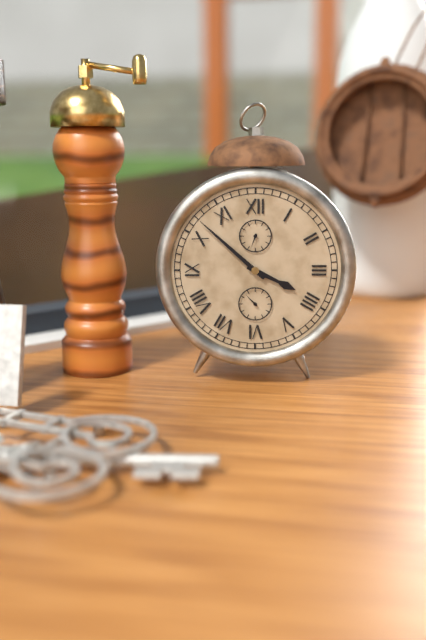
3:52
